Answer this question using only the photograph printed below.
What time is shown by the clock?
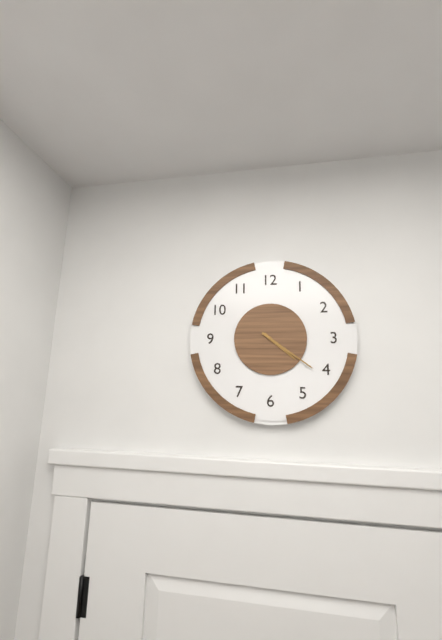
4:21
